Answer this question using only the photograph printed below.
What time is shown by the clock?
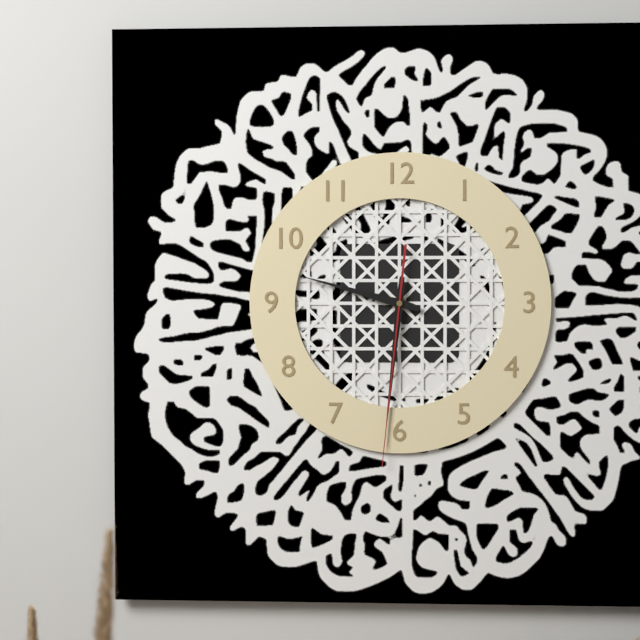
9:31:31
